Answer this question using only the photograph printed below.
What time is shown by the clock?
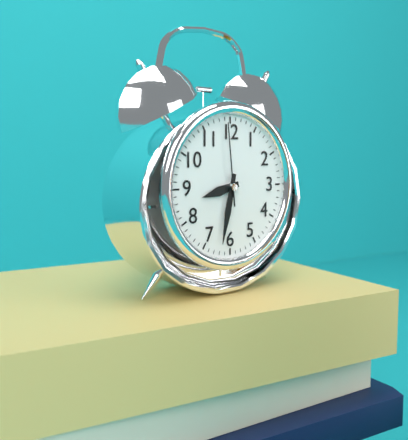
8:32:59
